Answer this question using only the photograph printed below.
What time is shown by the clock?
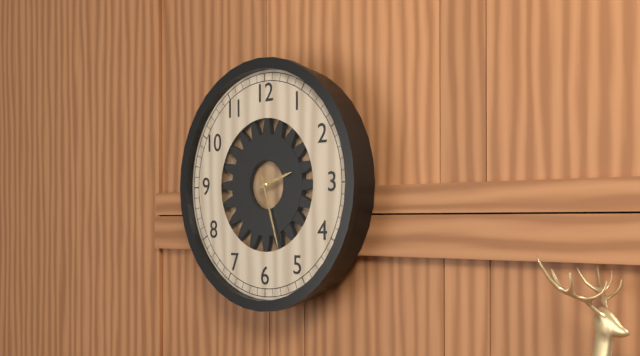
2:27
